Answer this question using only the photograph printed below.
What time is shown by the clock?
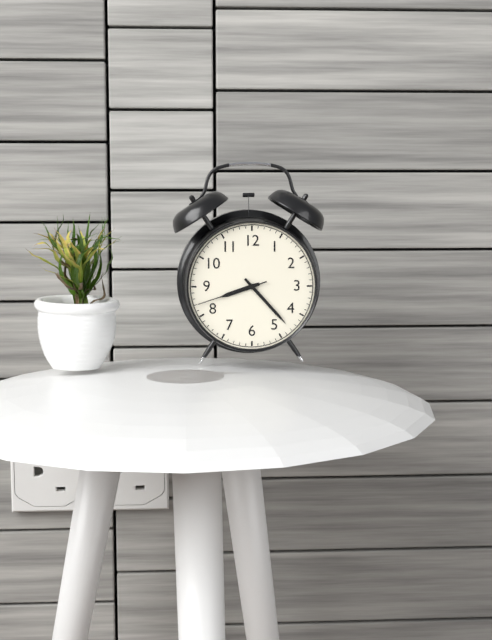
8:23:42
